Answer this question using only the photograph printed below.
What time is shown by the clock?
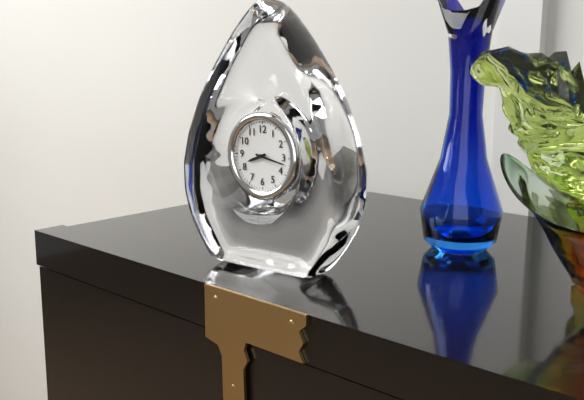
8:17
